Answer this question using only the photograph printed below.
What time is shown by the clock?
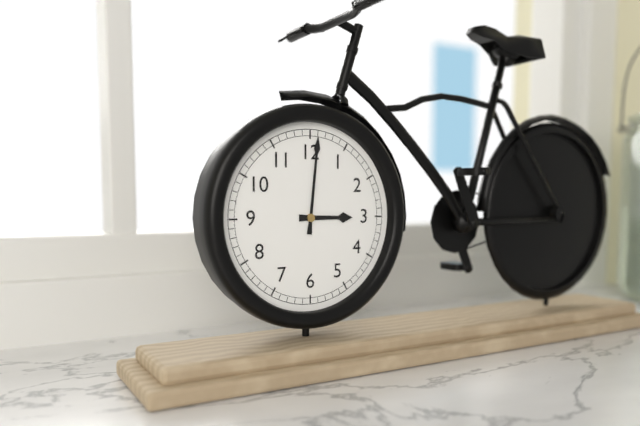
3:01
